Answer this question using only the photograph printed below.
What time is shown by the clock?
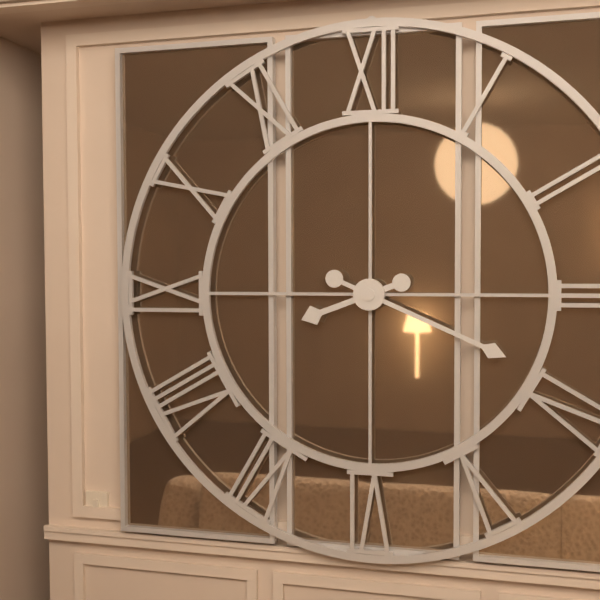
8:19
